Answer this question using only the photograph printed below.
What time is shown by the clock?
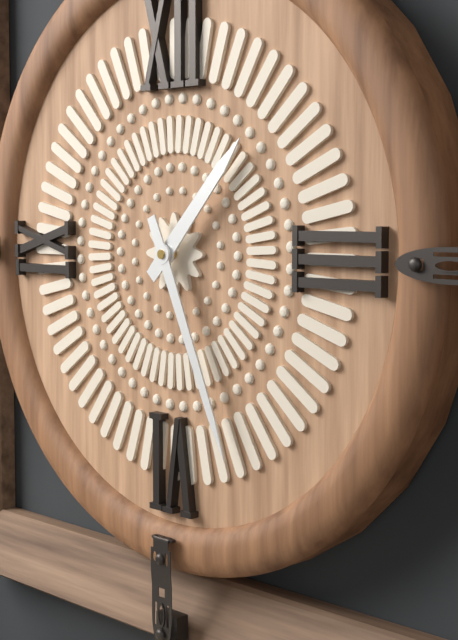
1:26
